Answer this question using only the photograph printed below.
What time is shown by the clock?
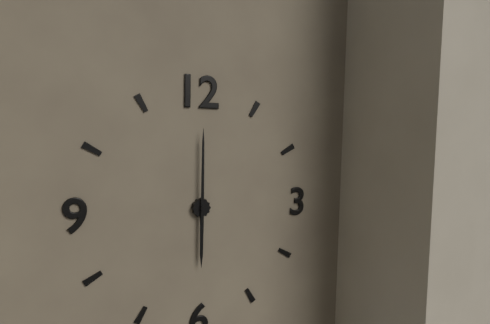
6:00
